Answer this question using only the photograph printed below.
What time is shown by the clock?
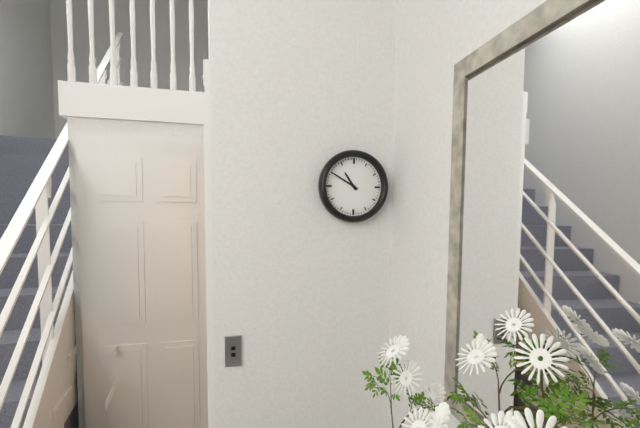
10:50
